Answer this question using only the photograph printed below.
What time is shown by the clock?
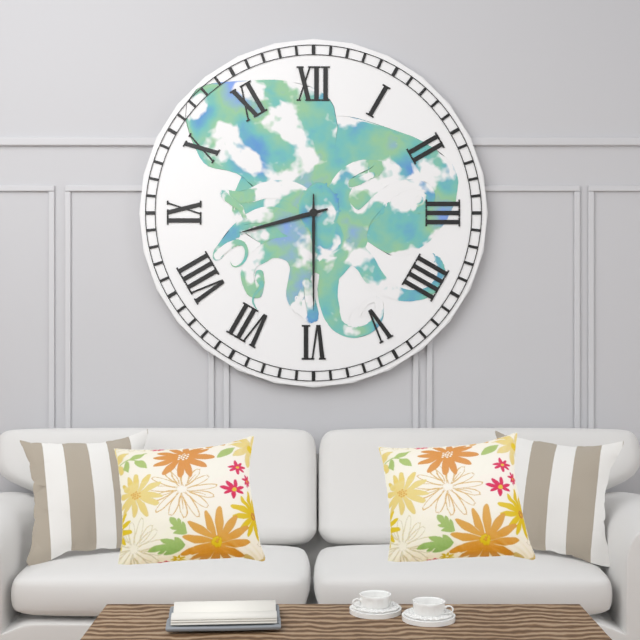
8:30
